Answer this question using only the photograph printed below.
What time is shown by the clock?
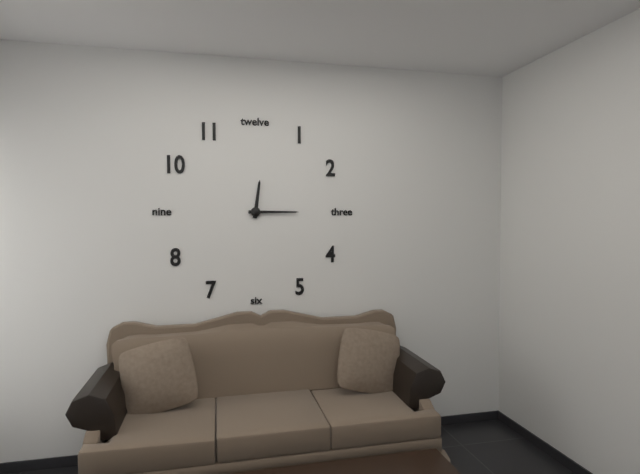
12:15
